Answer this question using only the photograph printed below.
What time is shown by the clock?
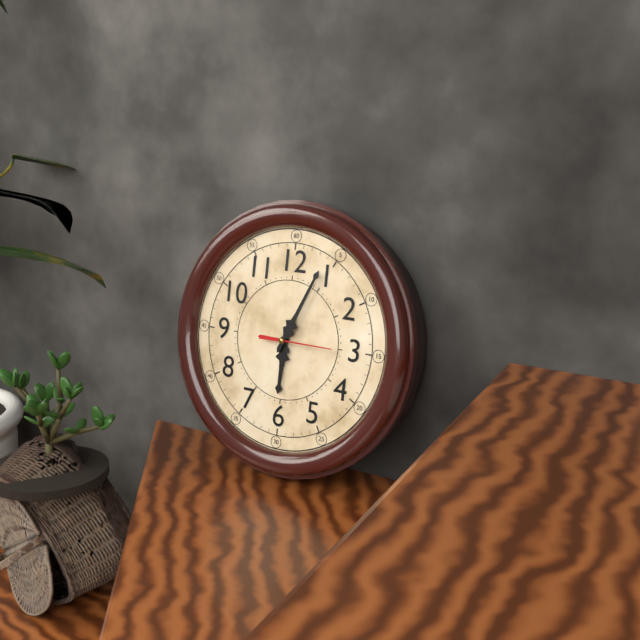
6:04:15
